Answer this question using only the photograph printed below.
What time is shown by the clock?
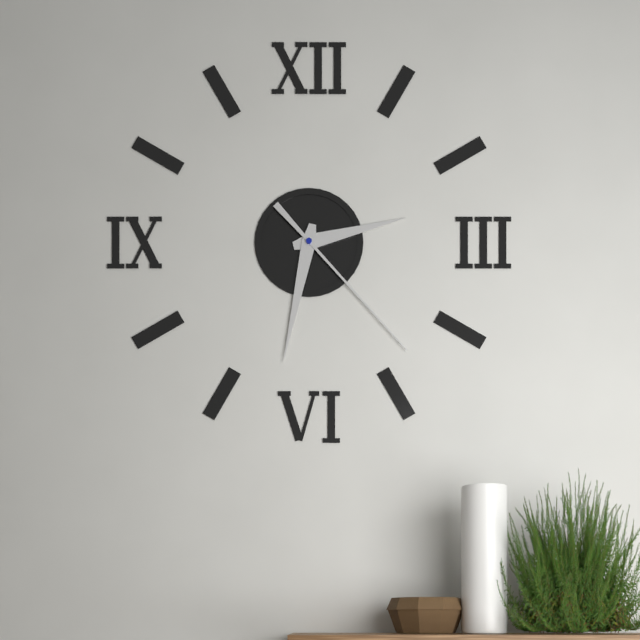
2:32:23
